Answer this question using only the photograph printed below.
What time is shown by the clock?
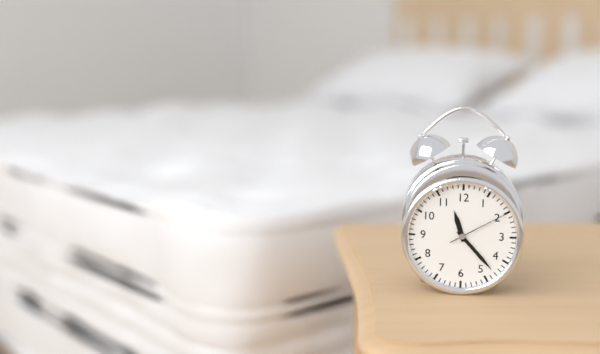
11:23:10
